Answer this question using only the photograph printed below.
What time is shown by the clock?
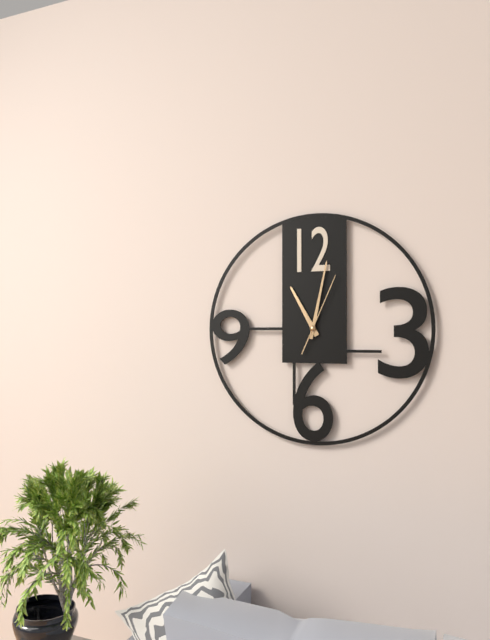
11:02:04
